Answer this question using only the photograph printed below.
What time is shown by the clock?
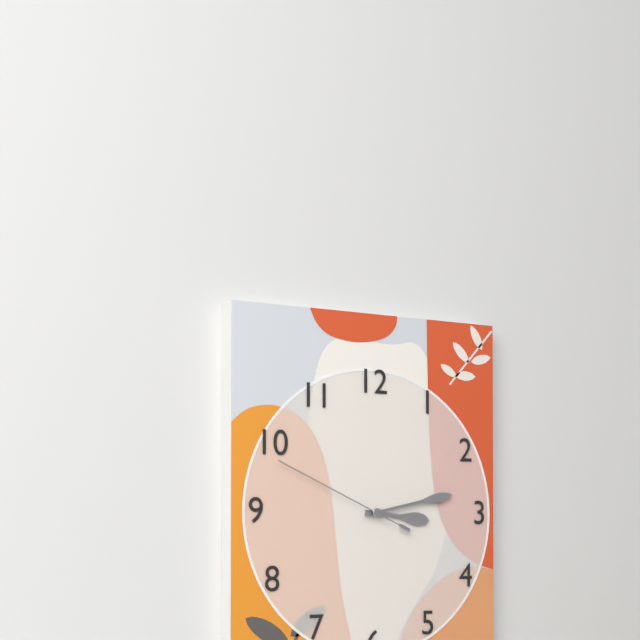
3:13:49
